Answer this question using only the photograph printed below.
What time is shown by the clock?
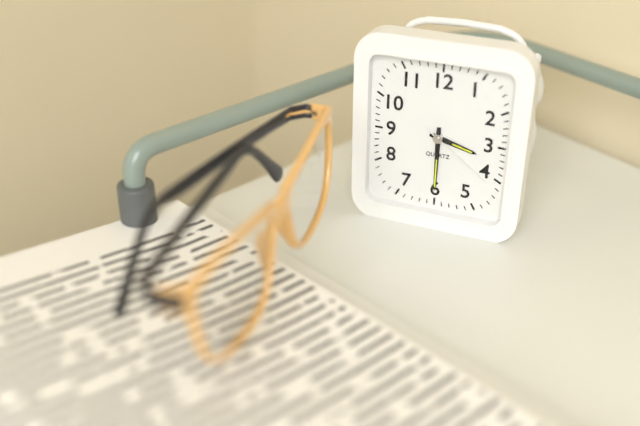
3:30:21
